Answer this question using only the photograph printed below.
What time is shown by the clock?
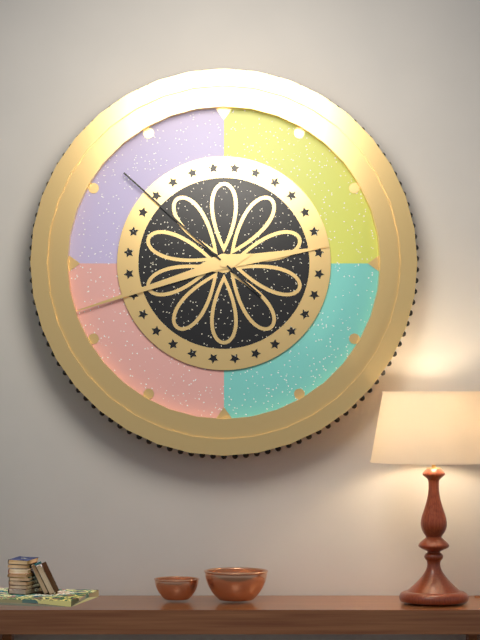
2:42:52
